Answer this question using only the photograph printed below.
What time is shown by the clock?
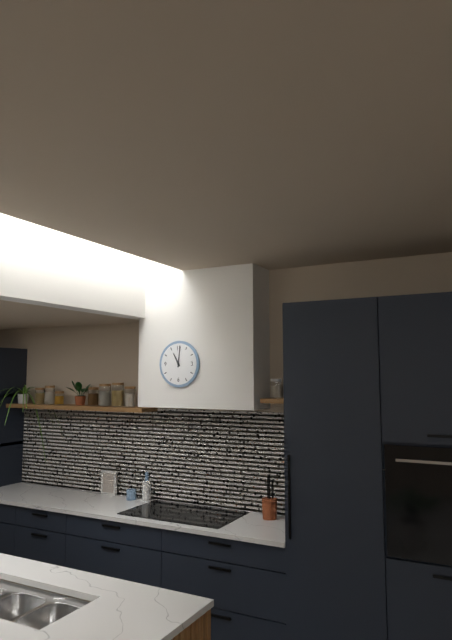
11:01
